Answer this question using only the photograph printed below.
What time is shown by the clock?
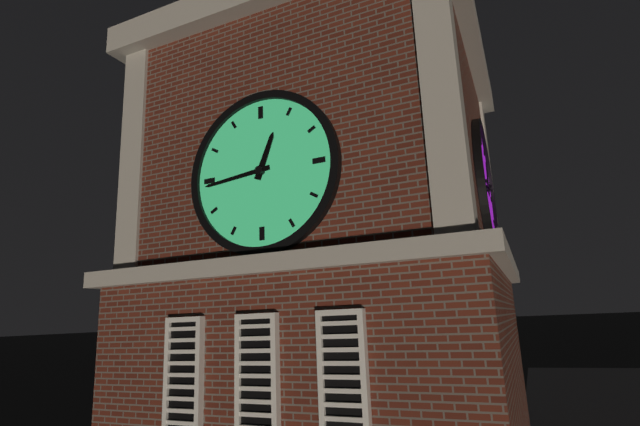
12:44
